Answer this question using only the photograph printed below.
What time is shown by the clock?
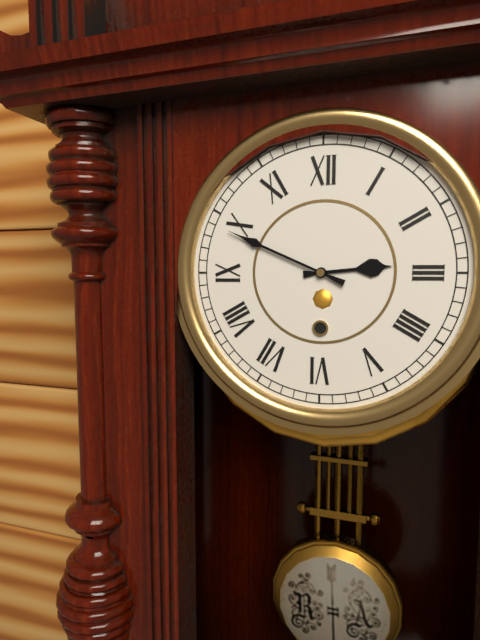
2:49
